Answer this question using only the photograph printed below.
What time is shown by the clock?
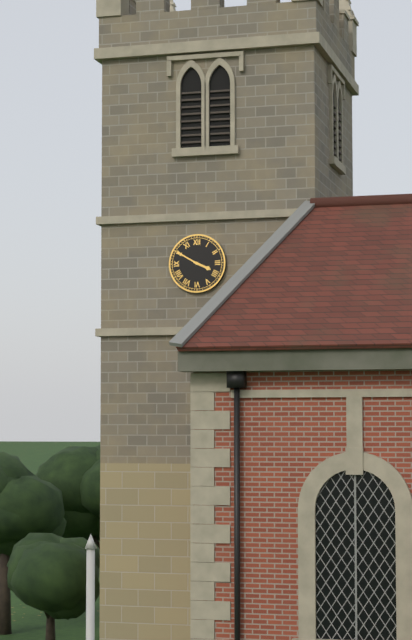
3:50
